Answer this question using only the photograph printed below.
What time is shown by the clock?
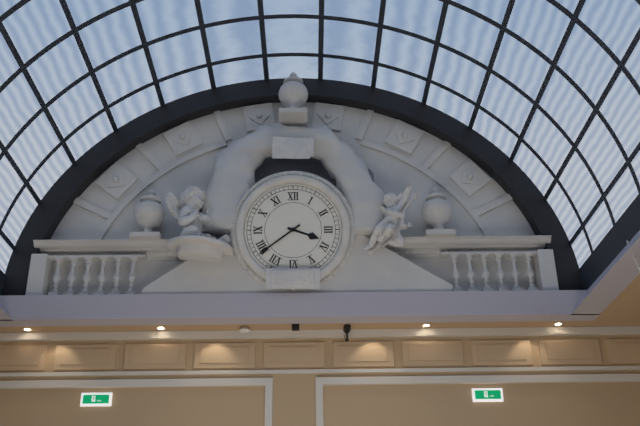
3:39
